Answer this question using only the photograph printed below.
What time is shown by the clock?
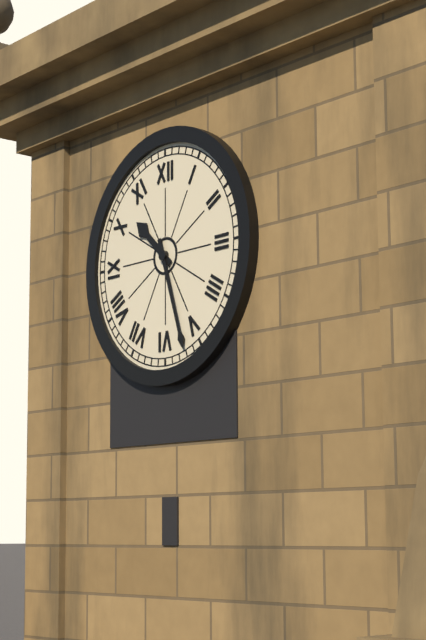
10:27
